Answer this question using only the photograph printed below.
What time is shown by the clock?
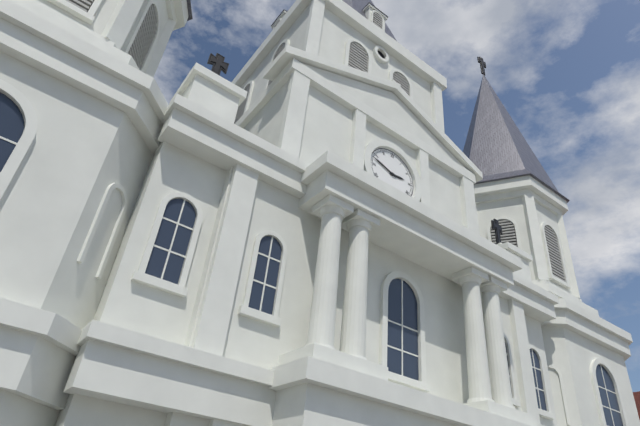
2:48
